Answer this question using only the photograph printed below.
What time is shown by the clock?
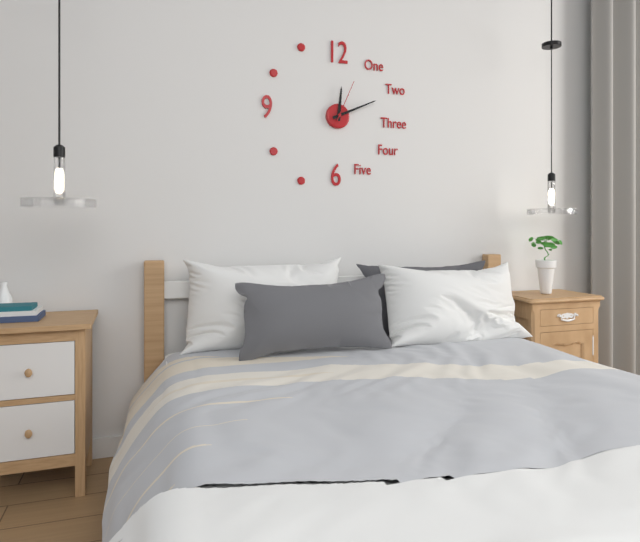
12:11
